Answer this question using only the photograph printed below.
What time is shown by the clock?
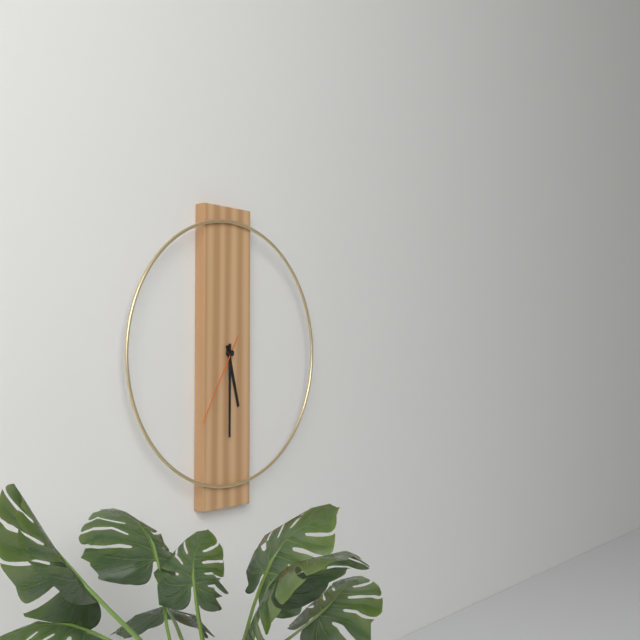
5:30:35
